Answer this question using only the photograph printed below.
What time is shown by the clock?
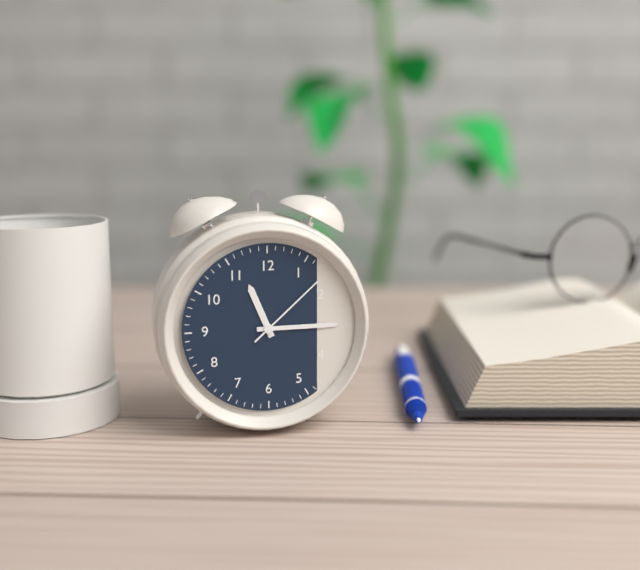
11:15:08
